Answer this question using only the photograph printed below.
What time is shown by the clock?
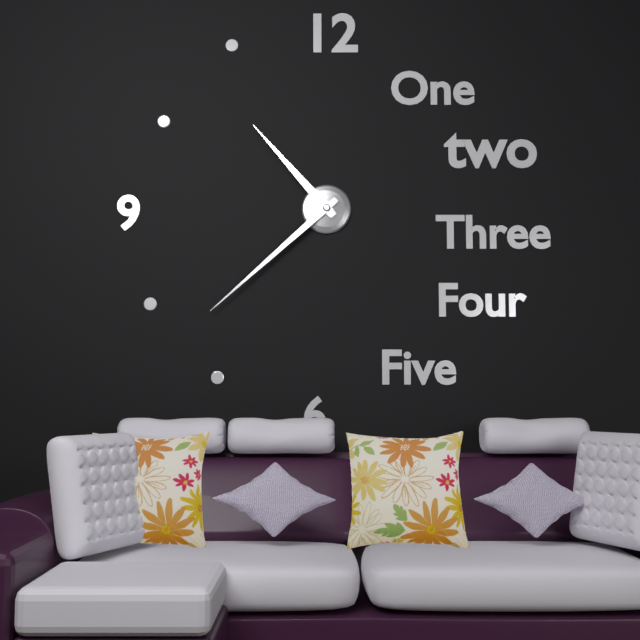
10:38
